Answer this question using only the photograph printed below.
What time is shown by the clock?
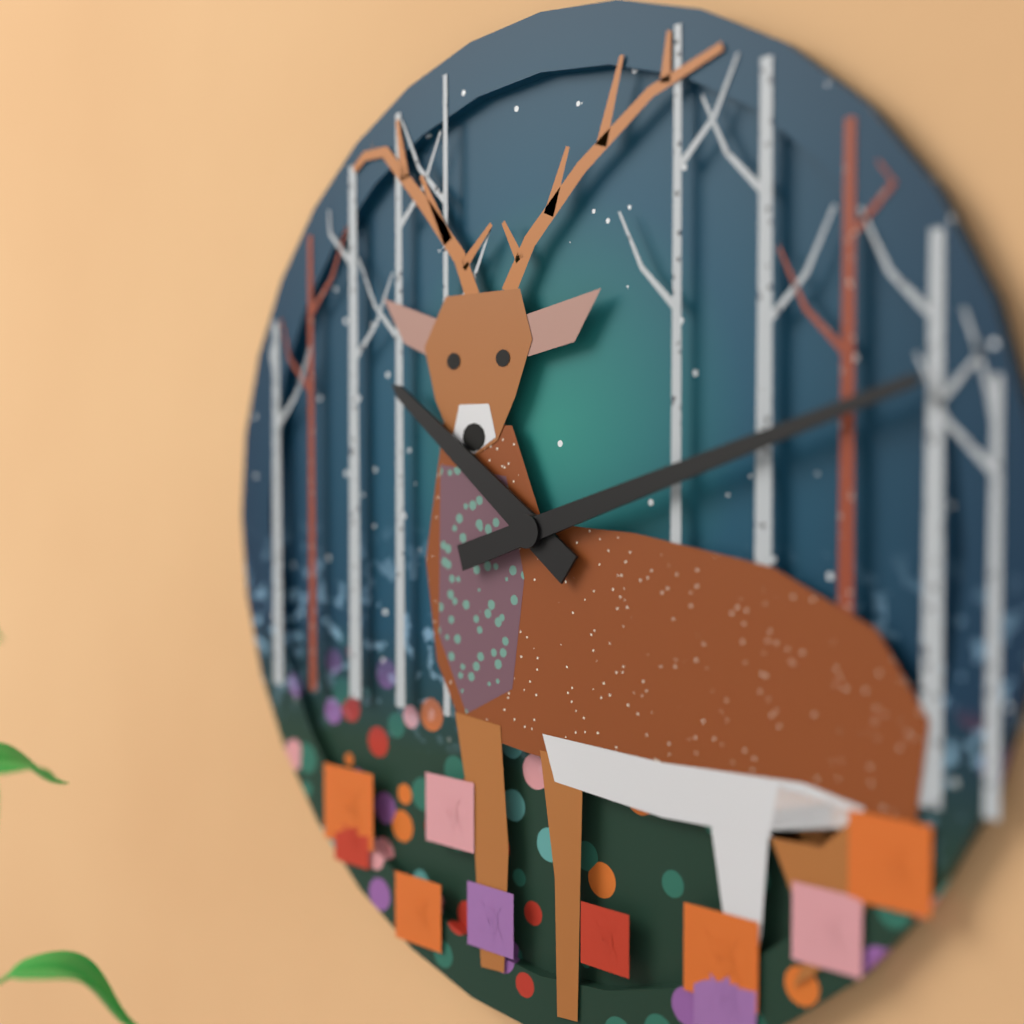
10:12
